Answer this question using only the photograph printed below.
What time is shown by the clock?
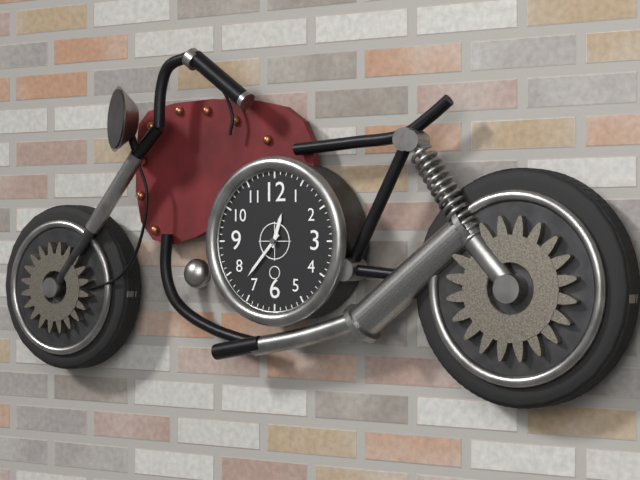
12:37
